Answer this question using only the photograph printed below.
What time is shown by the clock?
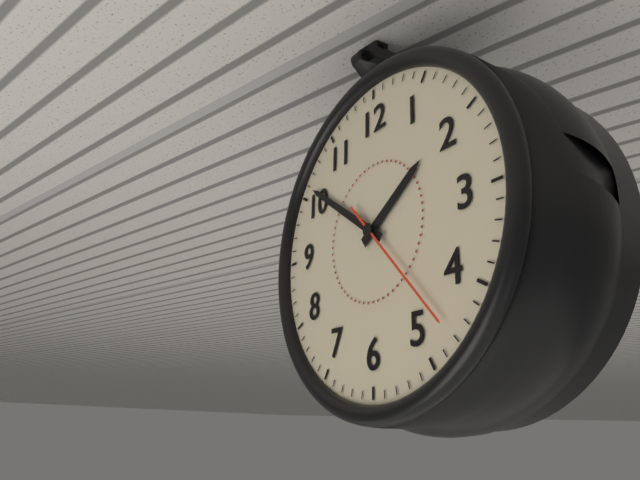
1:51:23
